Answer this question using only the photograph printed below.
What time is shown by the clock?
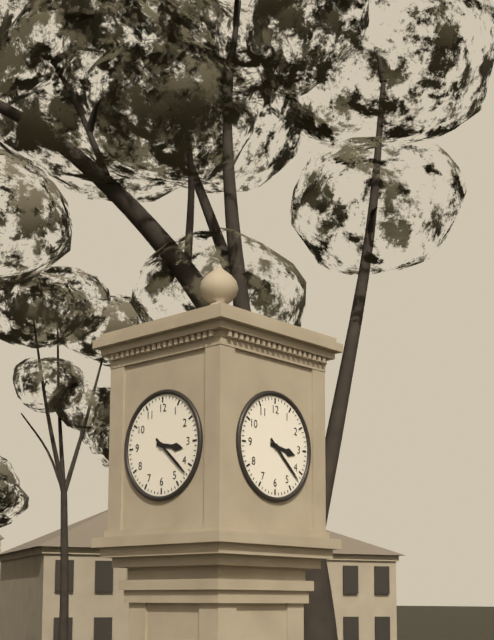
3:22
